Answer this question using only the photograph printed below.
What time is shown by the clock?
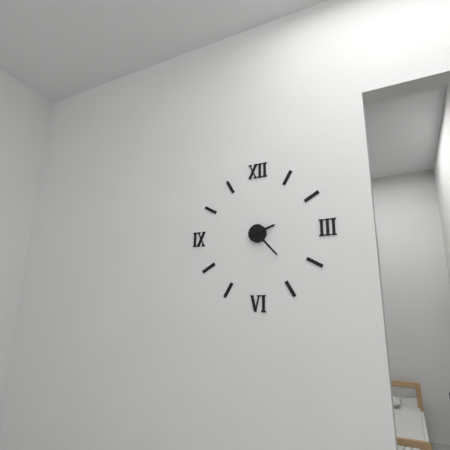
2:23
